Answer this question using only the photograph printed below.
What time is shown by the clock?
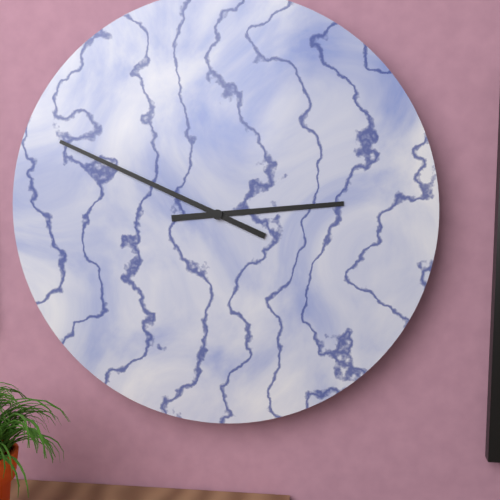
2:49
